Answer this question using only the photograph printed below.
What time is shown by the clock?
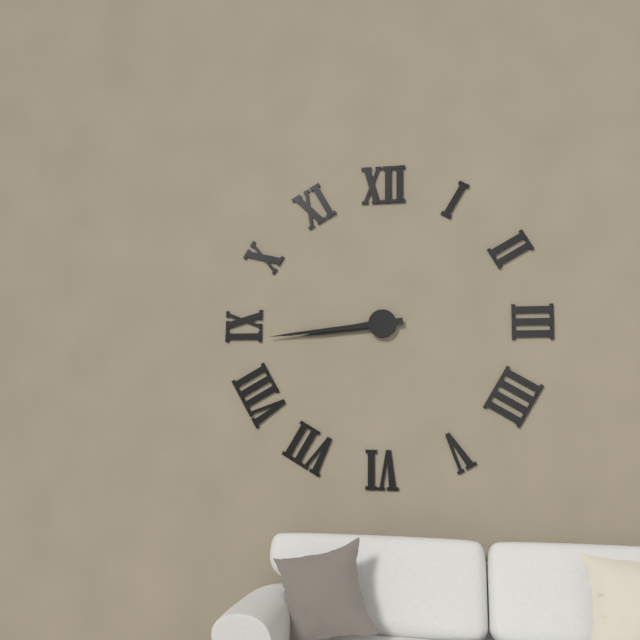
8:44
